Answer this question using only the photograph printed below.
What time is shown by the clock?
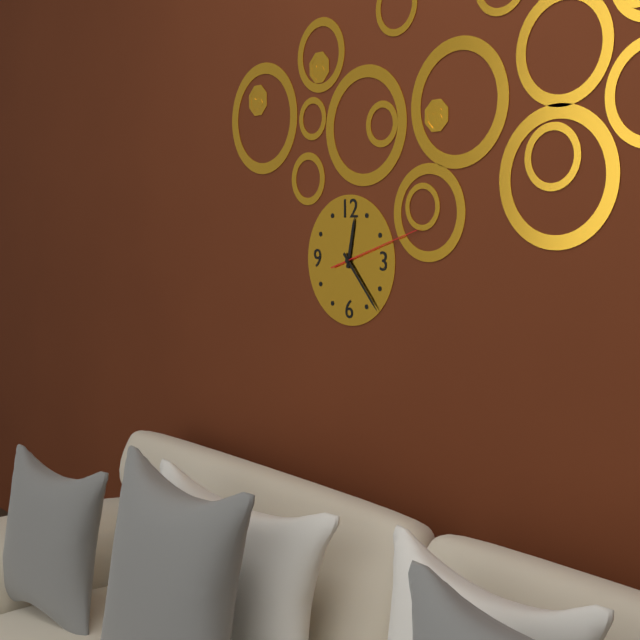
12:23:12
